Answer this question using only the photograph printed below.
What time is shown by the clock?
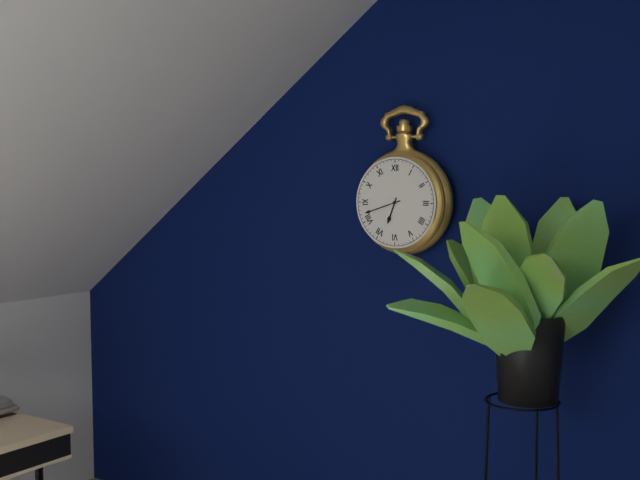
6:42
